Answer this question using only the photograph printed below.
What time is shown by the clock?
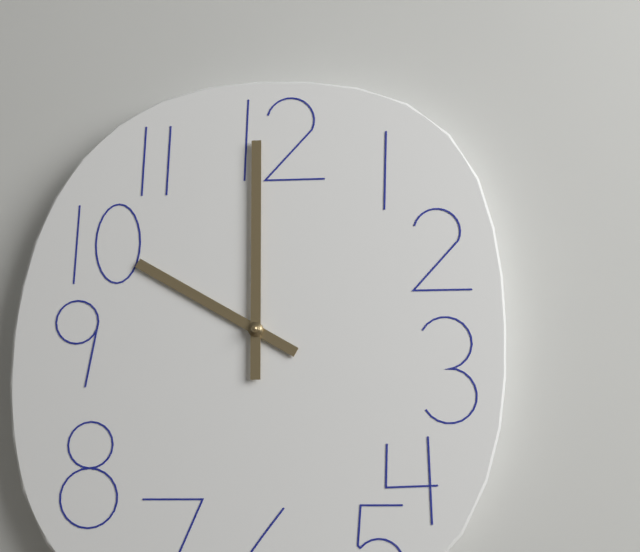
10:00
